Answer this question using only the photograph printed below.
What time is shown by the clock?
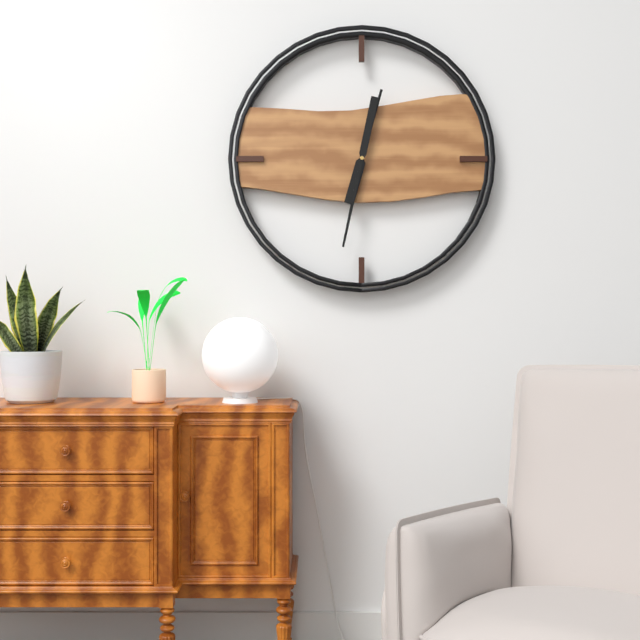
12:32
